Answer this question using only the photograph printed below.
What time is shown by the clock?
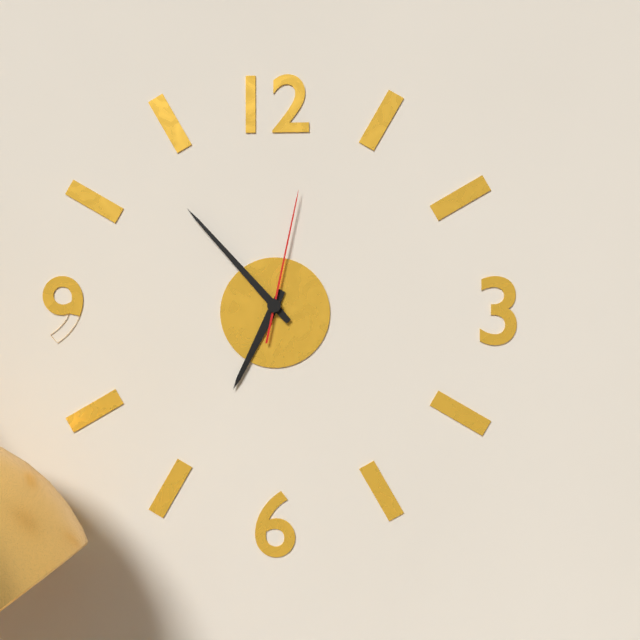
6:53:02
